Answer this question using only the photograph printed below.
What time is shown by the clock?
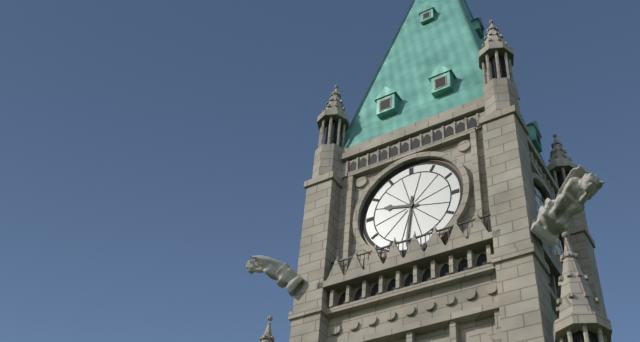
9:31
